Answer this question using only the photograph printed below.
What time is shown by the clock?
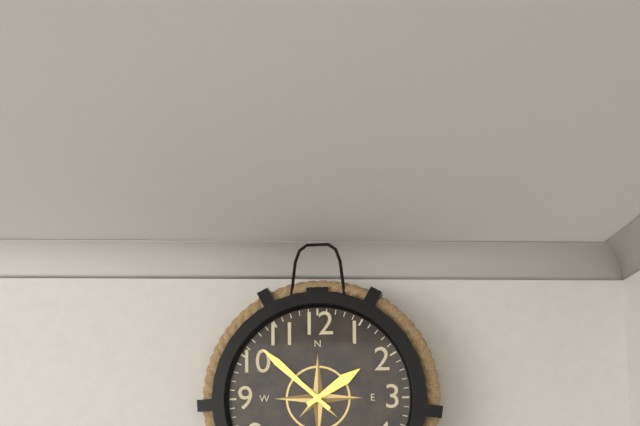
1:52
